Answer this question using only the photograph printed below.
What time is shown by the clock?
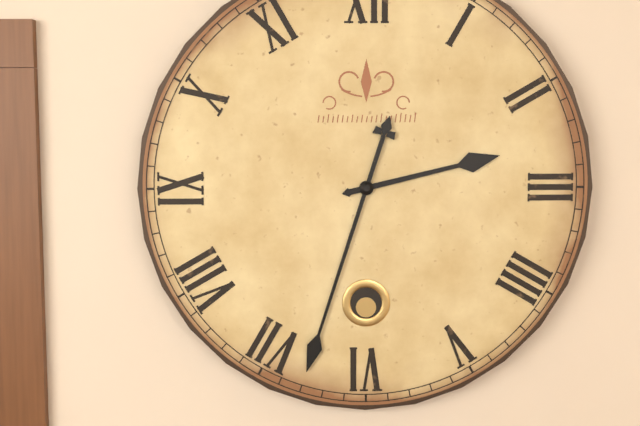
2:33
